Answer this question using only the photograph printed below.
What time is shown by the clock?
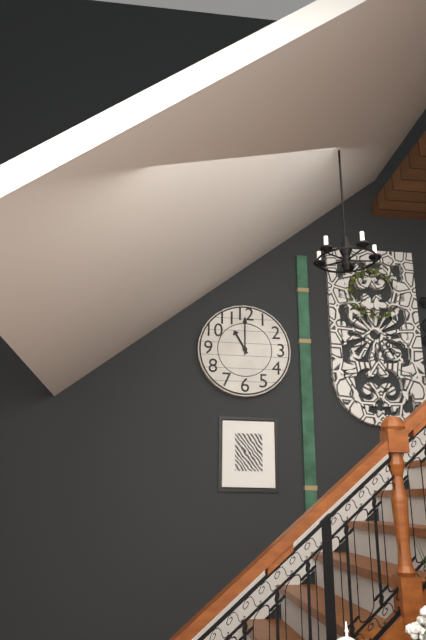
11:00
